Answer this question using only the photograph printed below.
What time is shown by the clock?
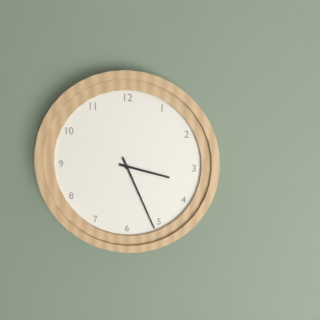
3:26
